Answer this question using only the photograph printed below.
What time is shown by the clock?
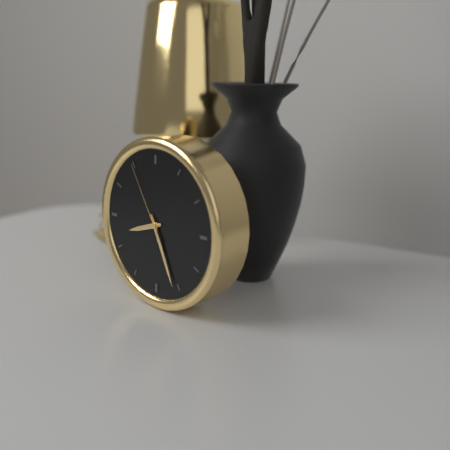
8:26:55
